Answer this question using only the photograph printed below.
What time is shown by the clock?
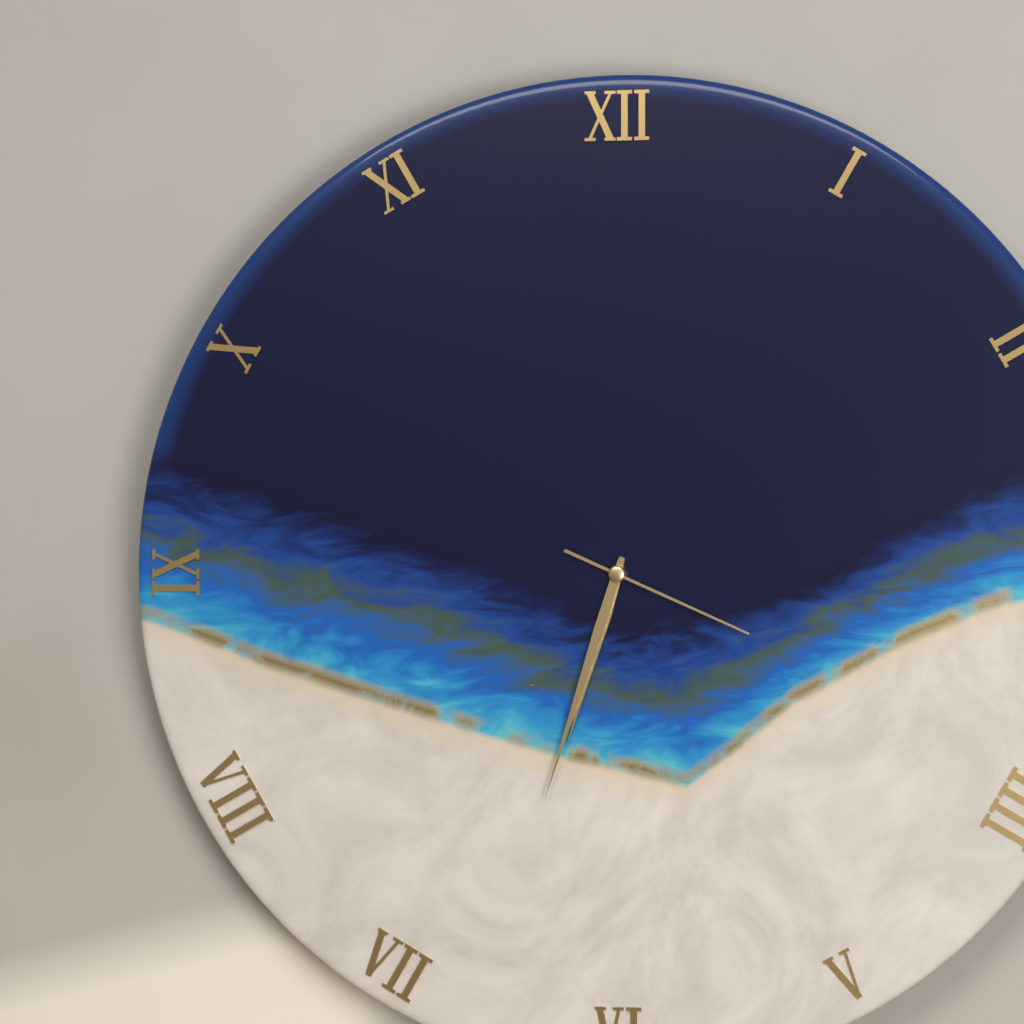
6:33:19
